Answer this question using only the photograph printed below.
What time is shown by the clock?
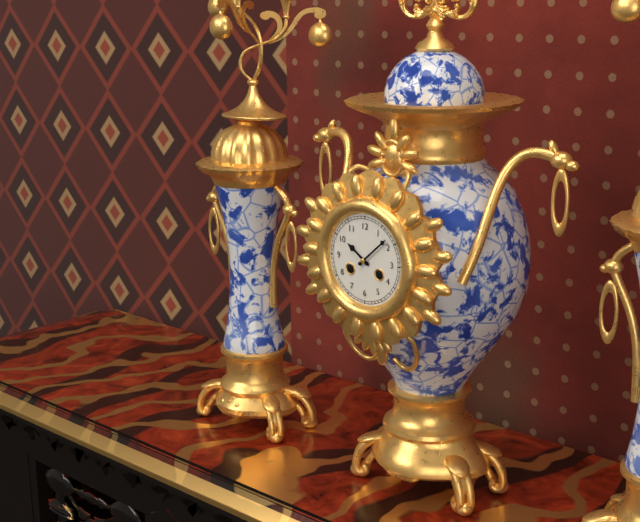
10:08
